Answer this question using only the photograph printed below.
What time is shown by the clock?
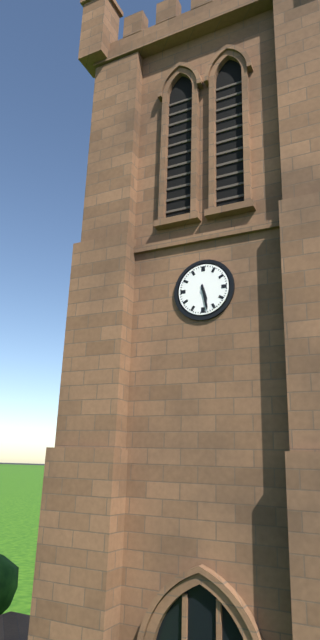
5:28
